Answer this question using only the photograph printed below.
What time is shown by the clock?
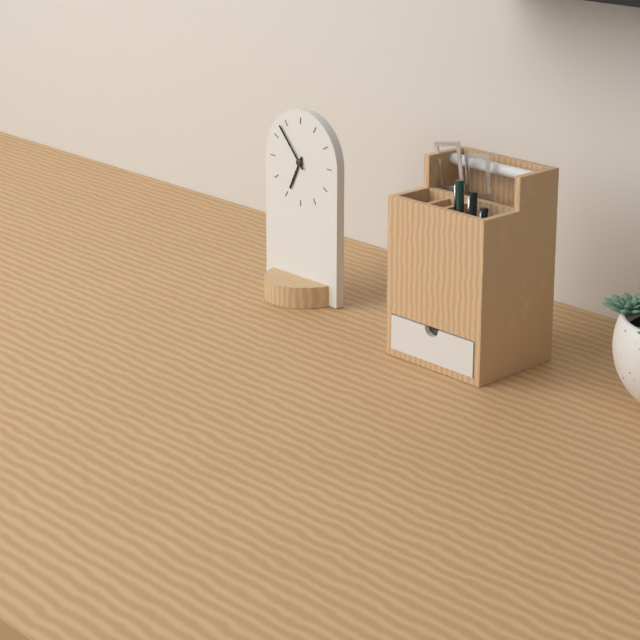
6:53
